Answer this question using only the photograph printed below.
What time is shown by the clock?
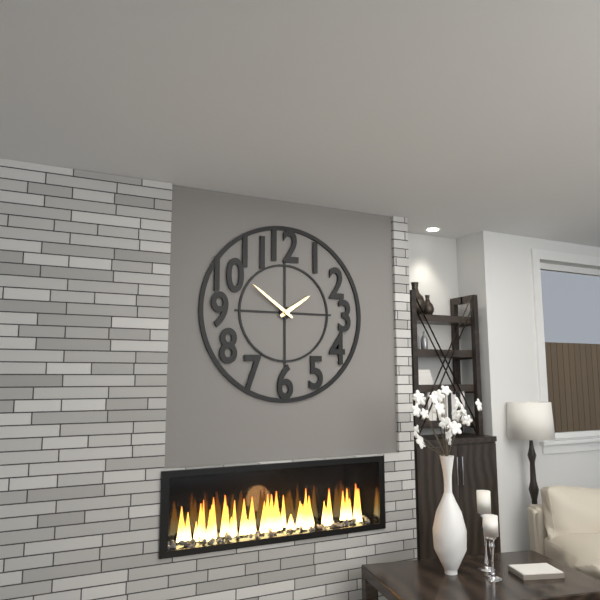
1:51
